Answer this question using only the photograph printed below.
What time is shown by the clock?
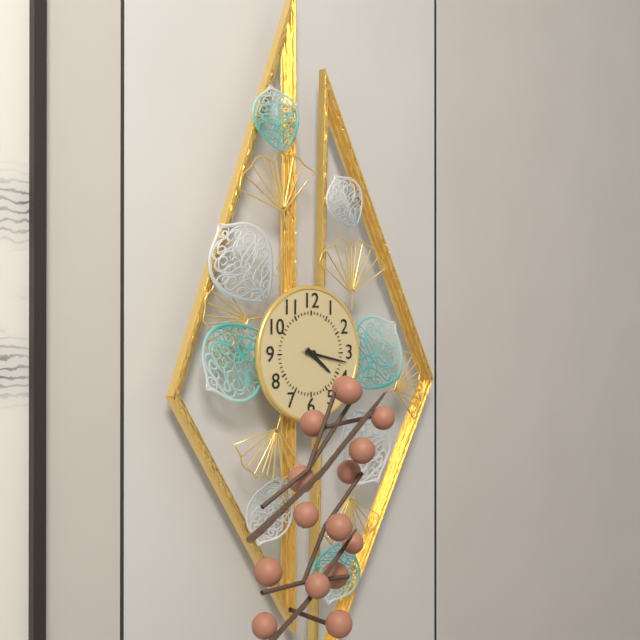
4:17
